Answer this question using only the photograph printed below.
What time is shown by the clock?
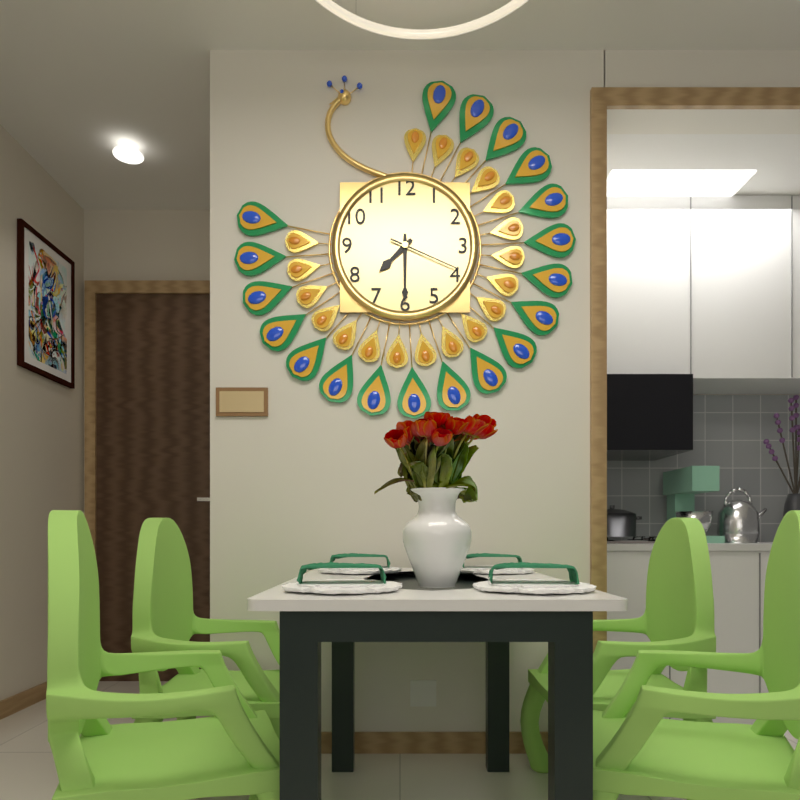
7:30:19
